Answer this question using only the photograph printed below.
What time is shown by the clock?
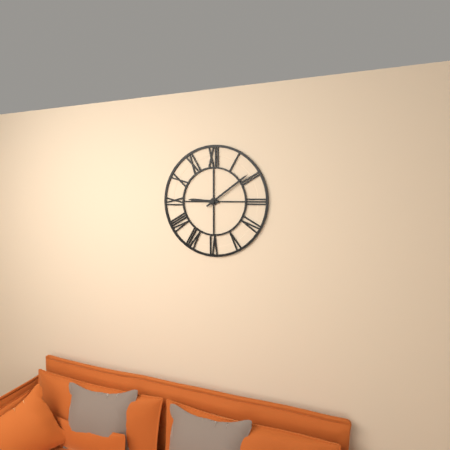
9:09
